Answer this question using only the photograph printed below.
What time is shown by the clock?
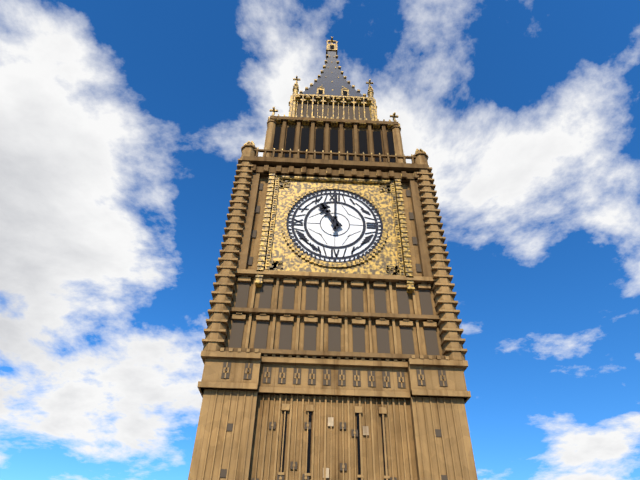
11:00
